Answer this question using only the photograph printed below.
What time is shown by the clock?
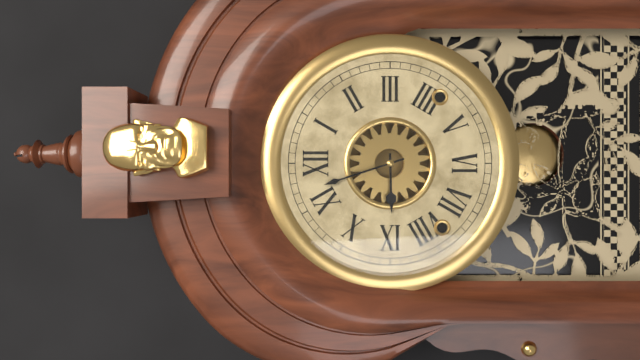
8:57
